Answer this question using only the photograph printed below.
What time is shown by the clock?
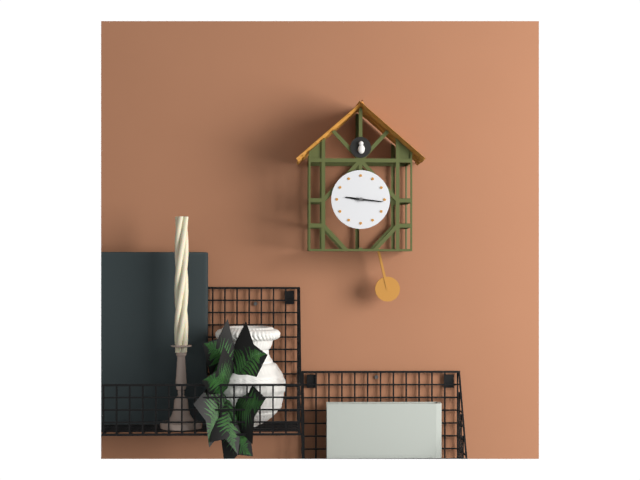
9:16
